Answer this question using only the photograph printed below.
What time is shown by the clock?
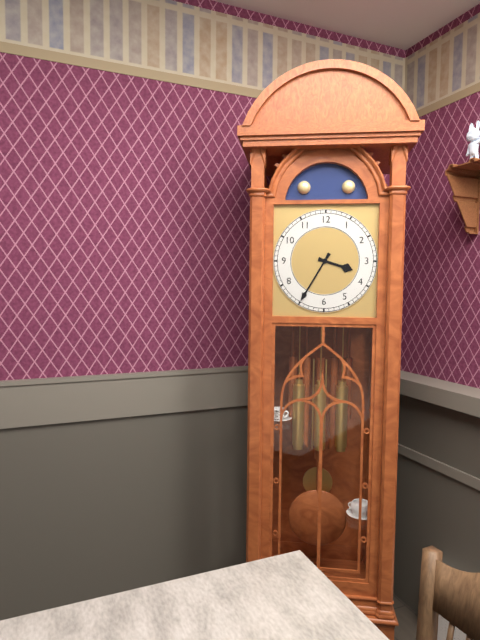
3:35
